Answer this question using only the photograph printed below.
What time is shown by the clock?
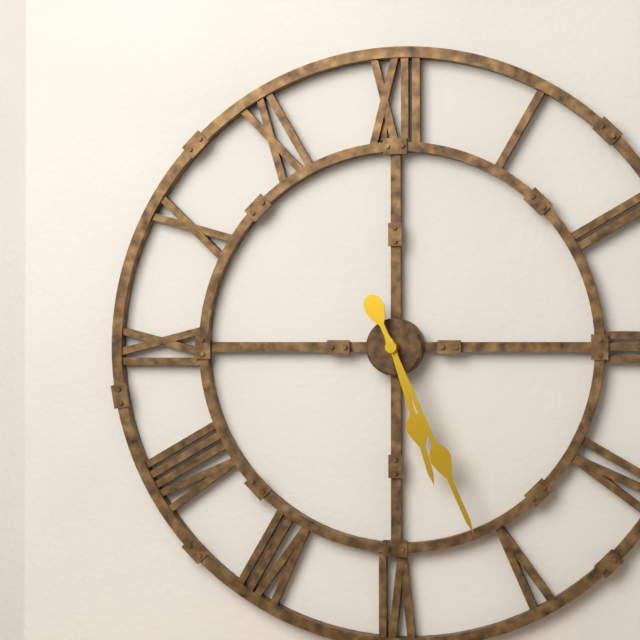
5:26
